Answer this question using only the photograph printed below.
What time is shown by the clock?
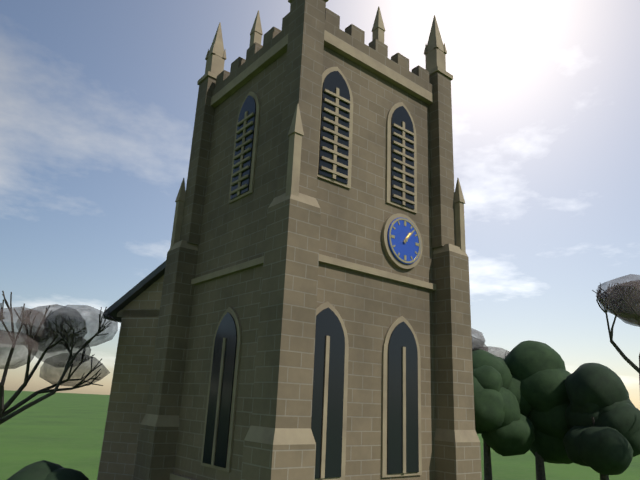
1:07
